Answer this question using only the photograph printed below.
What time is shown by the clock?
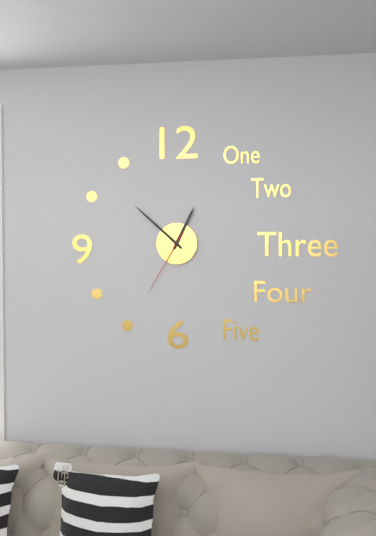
12:52:35
